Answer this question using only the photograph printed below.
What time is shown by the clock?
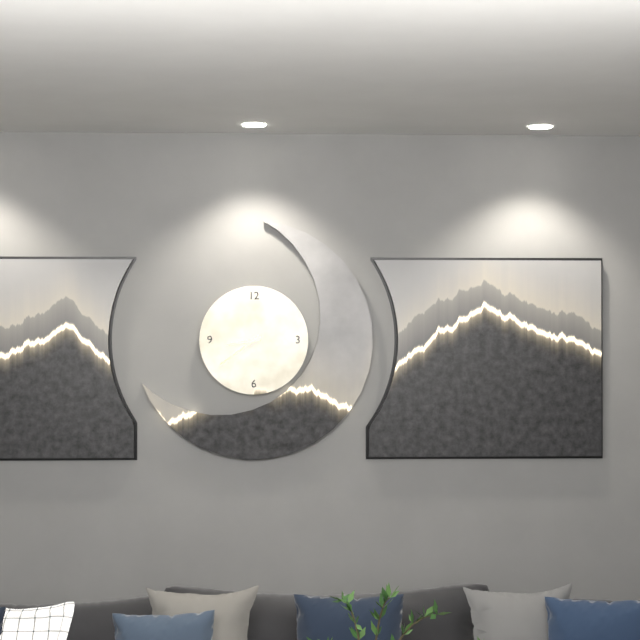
8:39
